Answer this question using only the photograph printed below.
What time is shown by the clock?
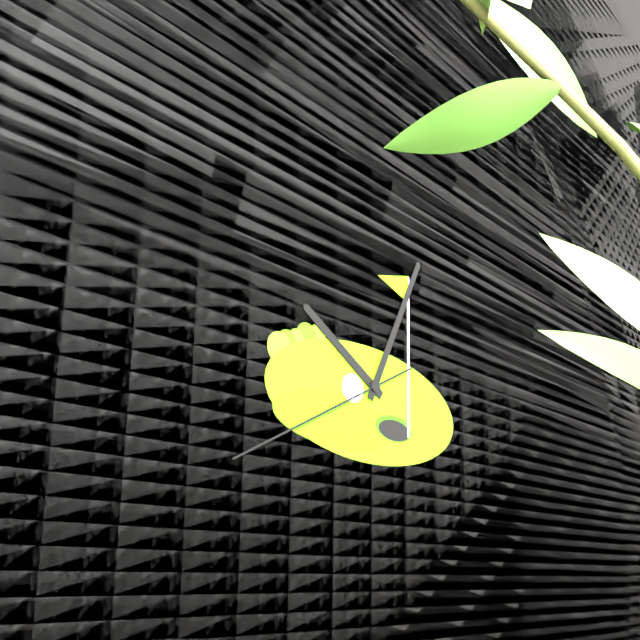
10:04:40
